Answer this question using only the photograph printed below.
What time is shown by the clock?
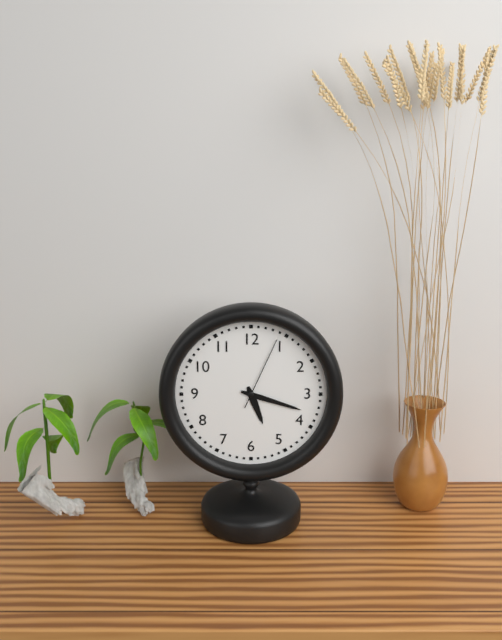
5:18:04
